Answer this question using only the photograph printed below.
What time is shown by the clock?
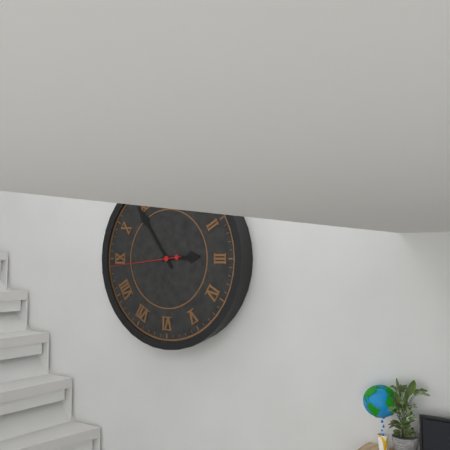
2:54:44
